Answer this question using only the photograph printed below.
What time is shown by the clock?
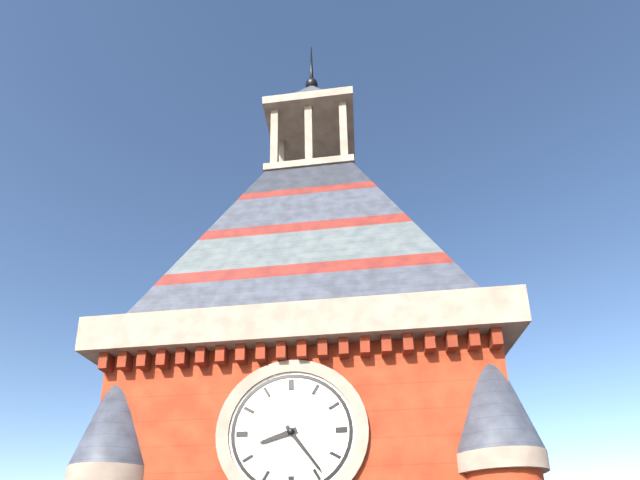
8:24
